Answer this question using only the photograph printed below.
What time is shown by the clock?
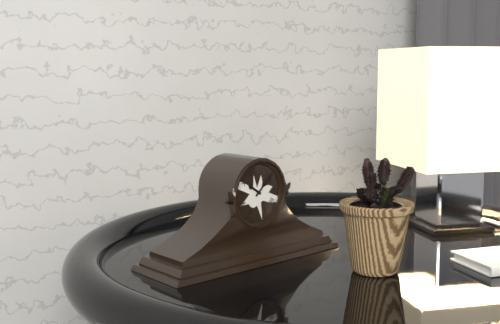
10:08
